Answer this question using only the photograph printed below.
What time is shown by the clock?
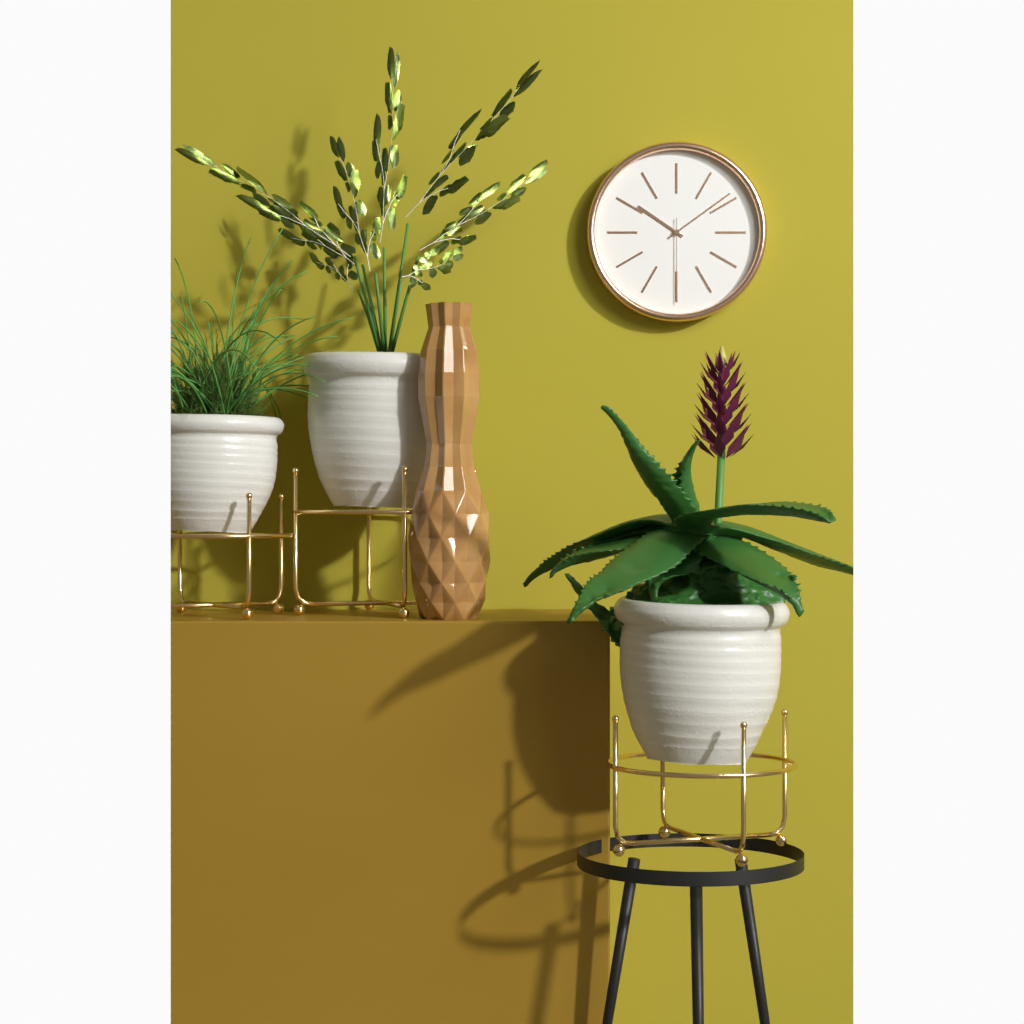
10:09:30
